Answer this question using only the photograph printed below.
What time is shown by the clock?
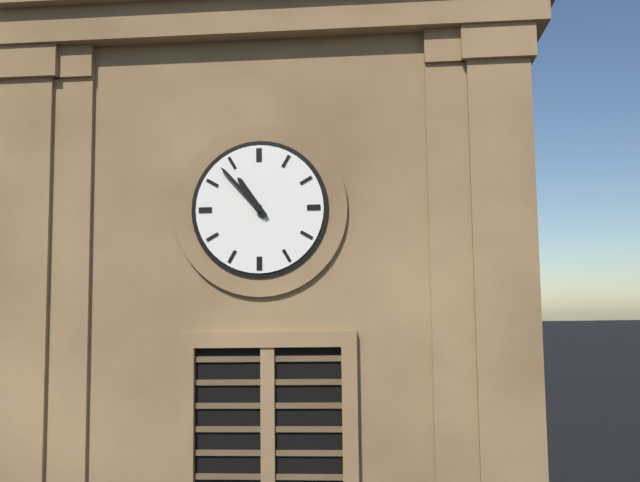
10:53
